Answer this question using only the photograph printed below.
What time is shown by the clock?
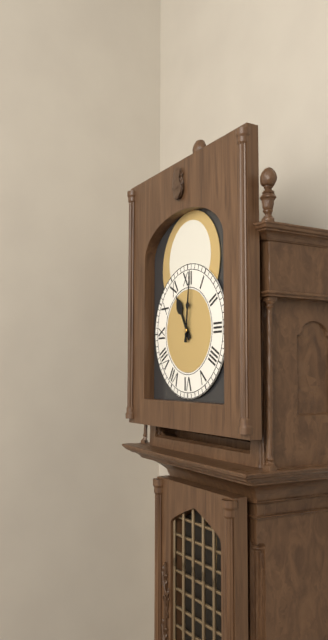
11:01
